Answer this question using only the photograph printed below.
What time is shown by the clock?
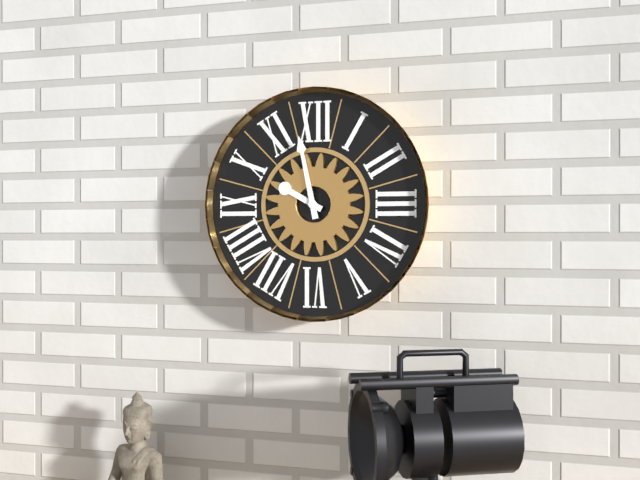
9:58
